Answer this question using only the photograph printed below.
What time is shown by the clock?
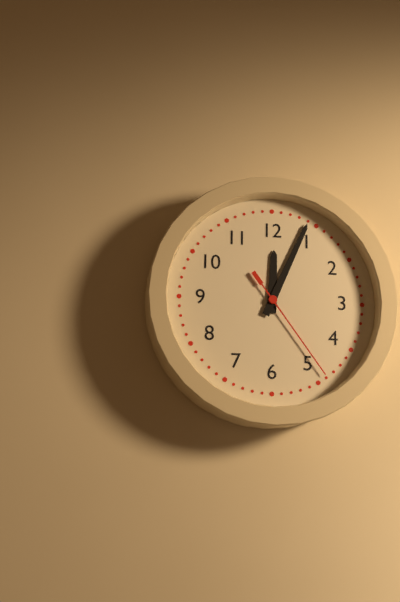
12:04:24
